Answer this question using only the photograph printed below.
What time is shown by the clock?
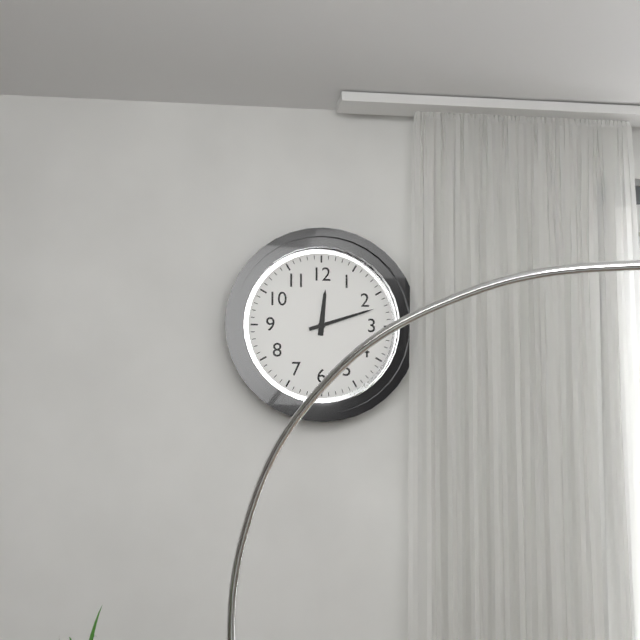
12:12
